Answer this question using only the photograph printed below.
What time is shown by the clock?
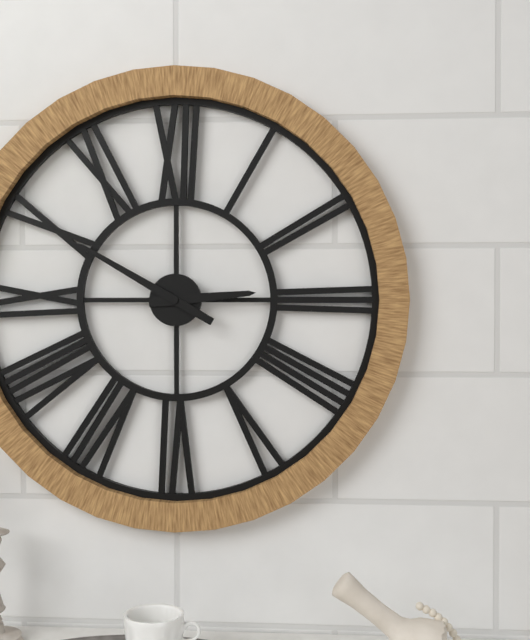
2:50
